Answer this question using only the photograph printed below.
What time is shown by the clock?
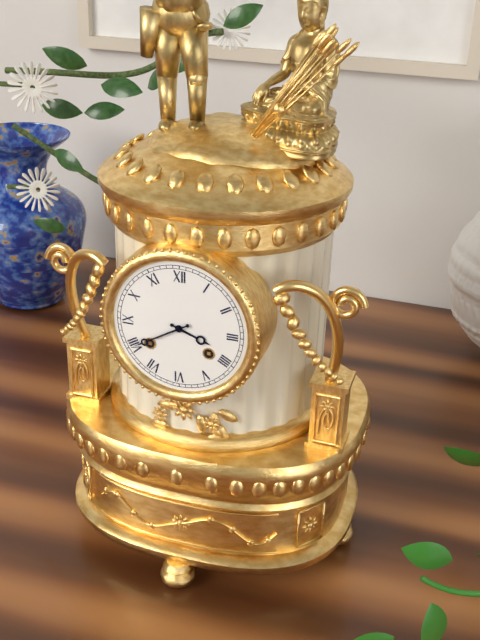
3:40
